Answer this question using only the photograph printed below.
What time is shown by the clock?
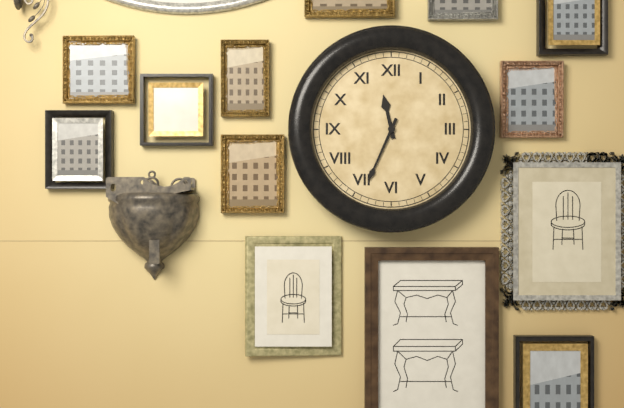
11:34
